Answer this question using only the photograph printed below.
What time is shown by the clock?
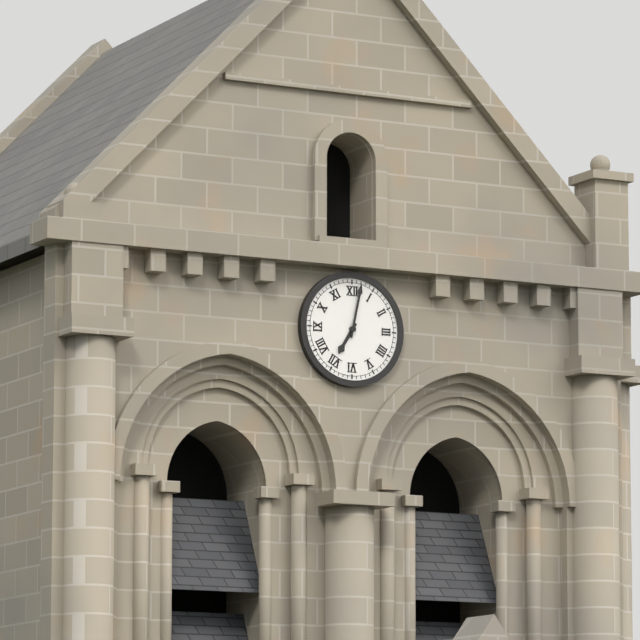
7:02
